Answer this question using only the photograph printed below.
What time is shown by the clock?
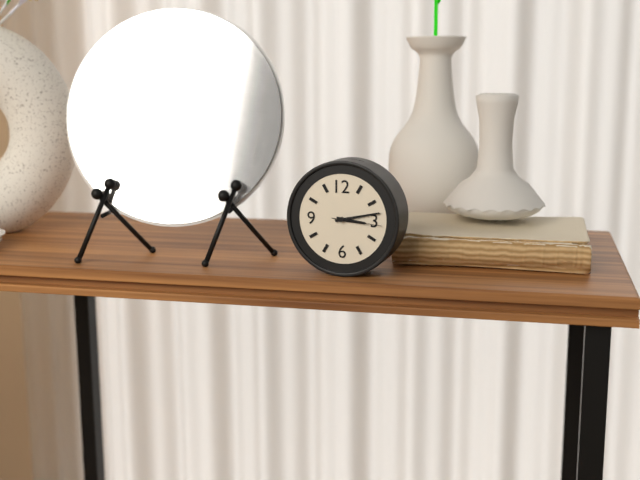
3:13:16
